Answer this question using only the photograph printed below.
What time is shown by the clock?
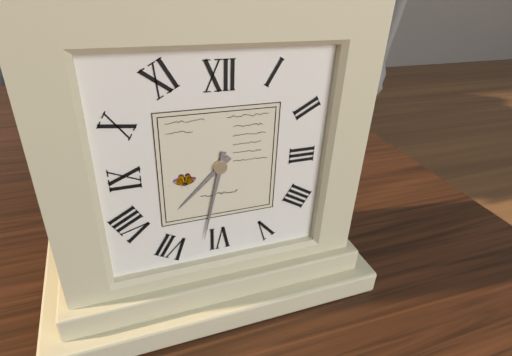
7:32
